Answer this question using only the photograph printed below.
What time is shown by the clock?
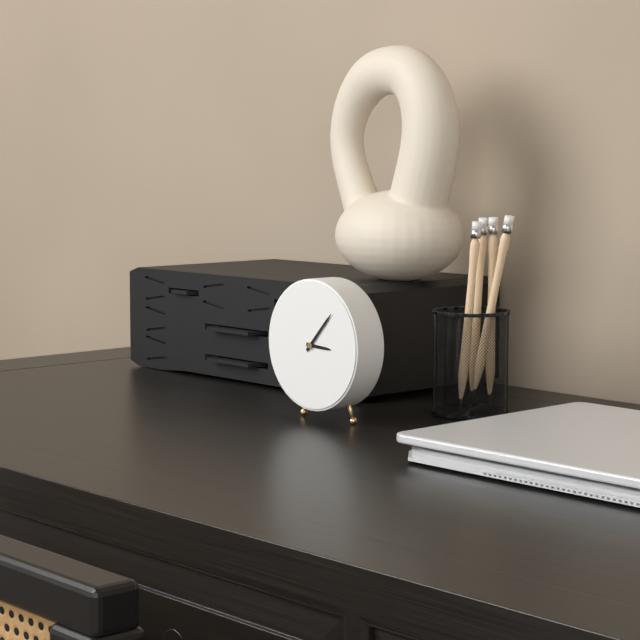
3:07
